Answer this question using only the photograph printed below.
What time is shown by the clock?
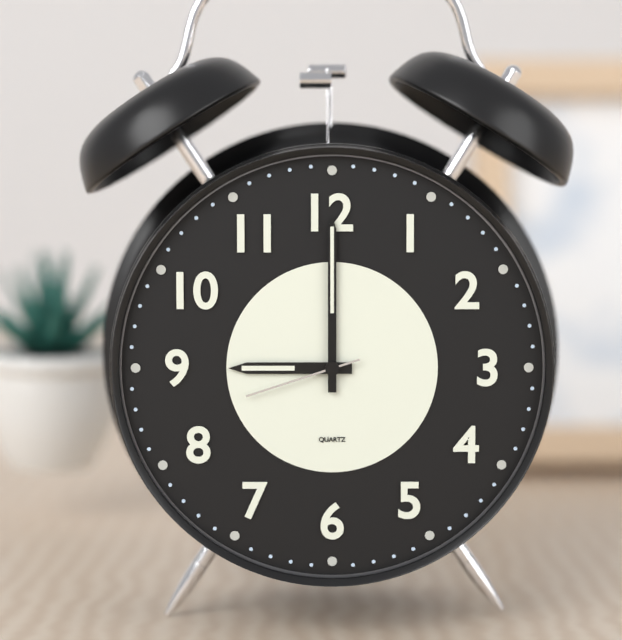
9:00:42
